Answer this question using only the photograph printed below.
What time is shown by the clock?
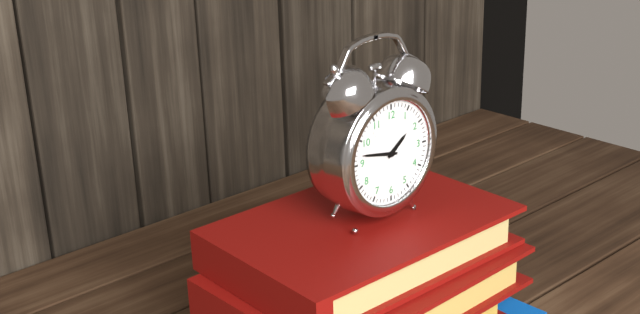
1:47
